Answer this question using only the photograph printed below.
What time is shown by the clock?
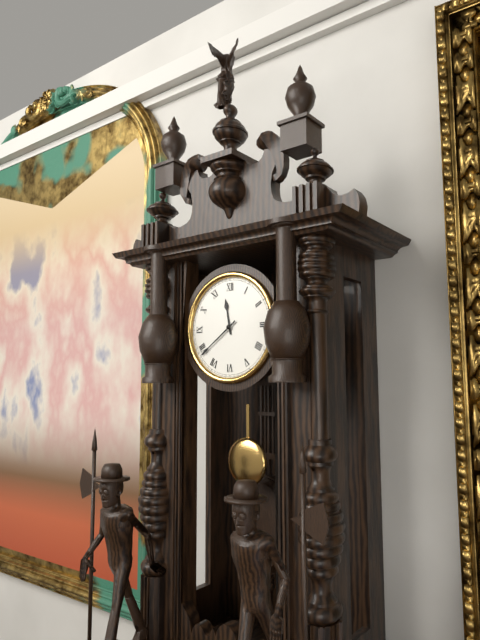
11:39
